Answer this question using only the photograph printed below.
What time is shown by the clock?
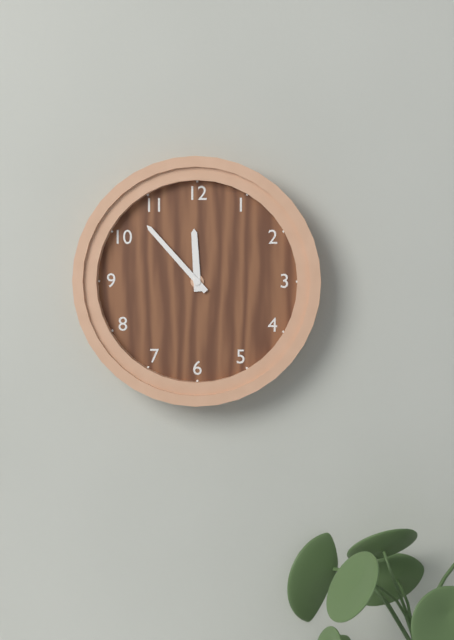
11:53
